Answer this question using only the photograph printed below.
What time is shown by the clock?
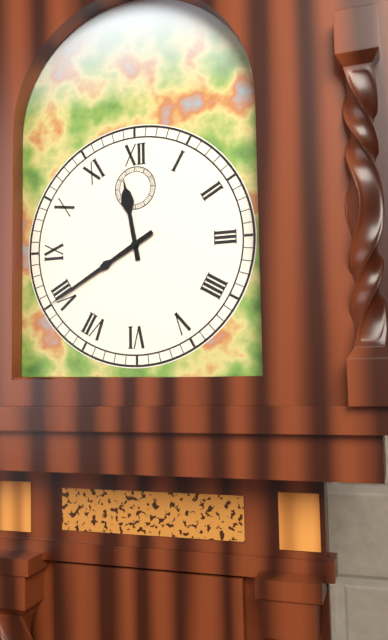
11:40
